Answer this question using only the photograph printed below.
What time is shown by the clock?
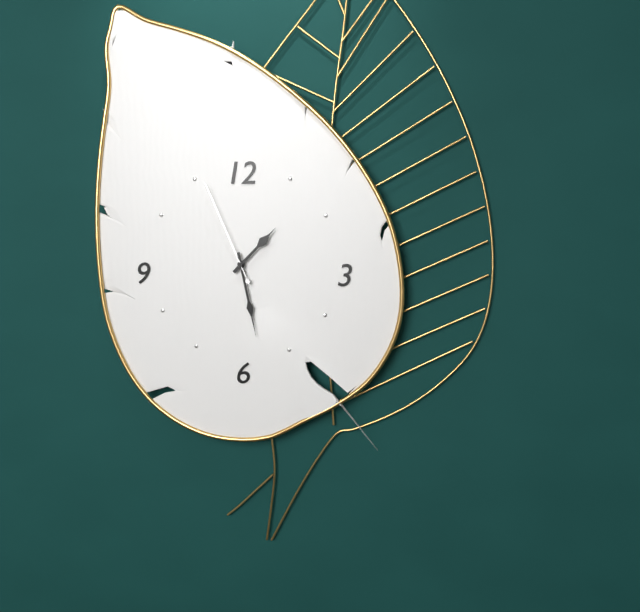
1:28:56
